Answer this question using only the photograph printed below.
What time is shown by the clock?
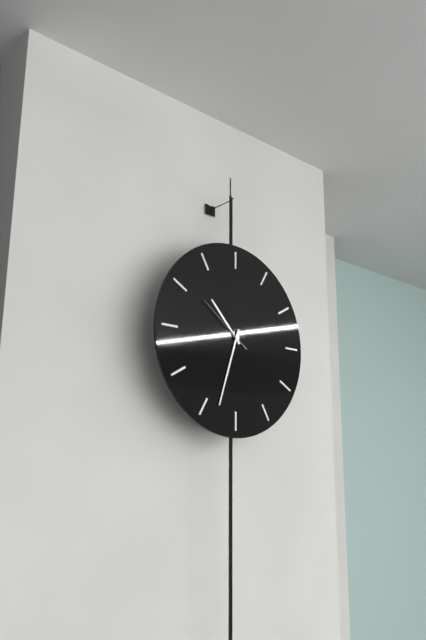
10:33:51
